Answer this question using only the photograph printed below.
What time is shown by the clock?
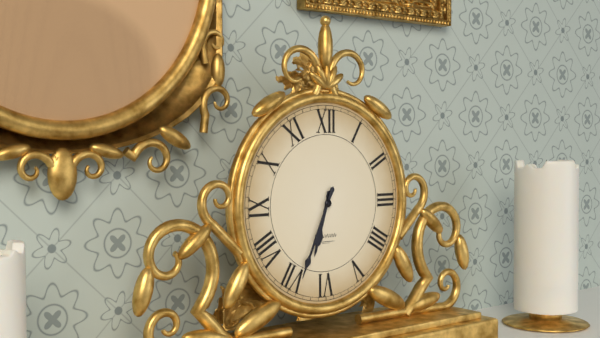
6:34
